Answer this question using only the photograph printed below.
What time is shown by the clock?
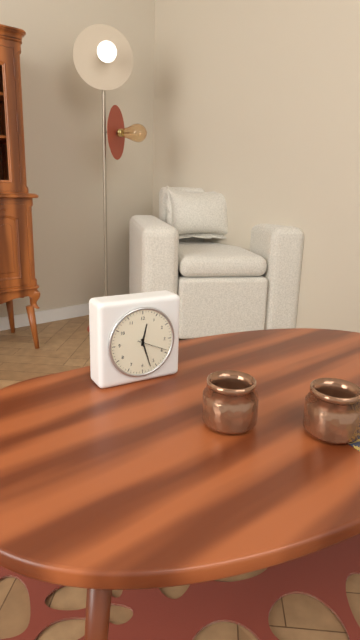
12:27
